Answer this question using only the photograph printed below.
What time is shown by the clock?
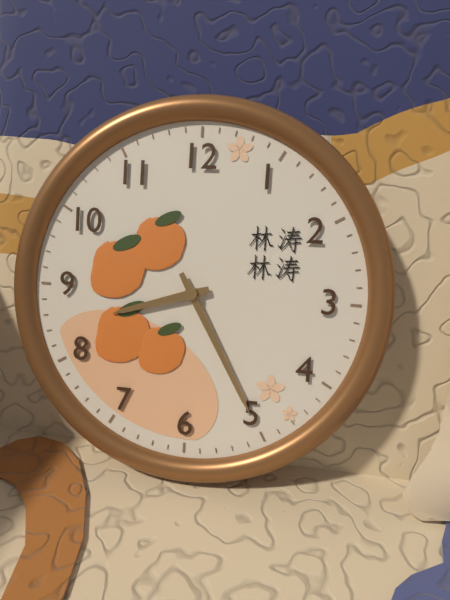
8:25
